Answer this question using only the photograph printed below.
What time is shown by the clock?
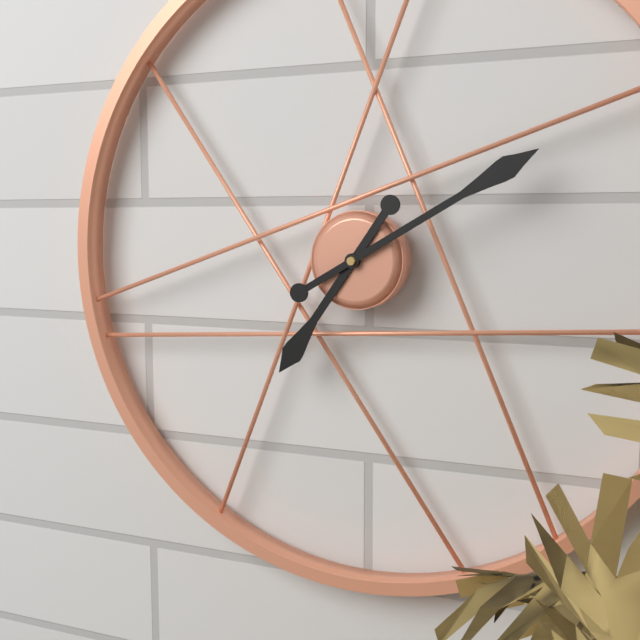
7:10
